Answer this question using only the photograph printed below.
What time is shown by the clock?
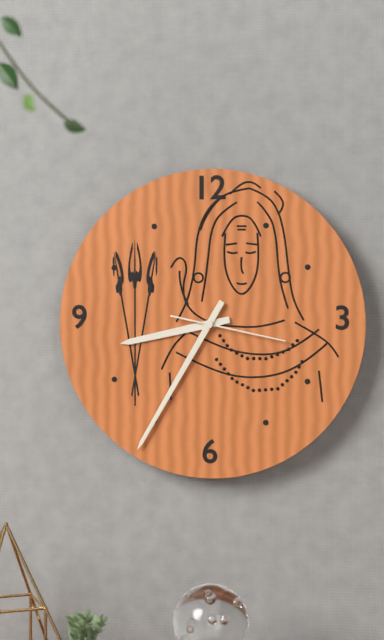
8:35:17
